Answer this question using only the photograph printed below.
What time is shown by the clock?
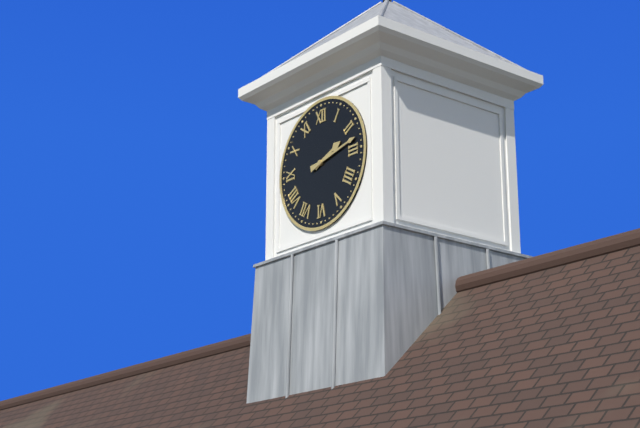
2:13
